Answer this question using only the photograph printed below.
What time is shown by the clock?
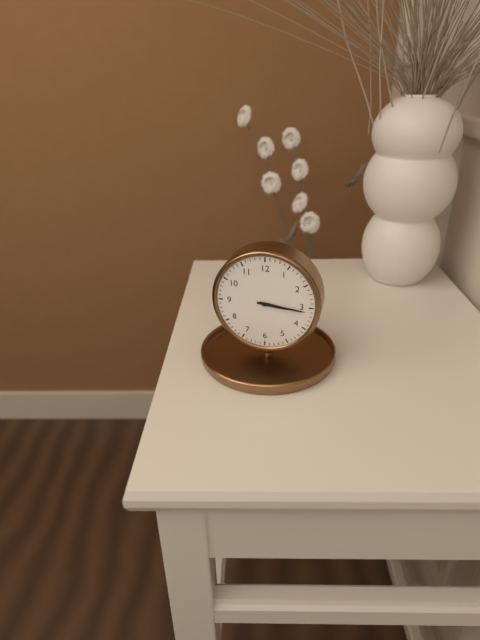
3:16
